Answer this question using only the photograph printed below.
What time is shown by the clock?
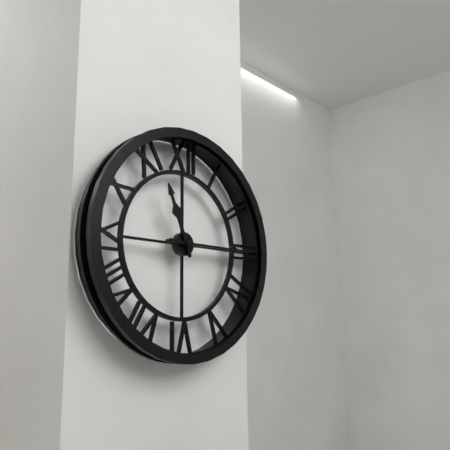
11:15
